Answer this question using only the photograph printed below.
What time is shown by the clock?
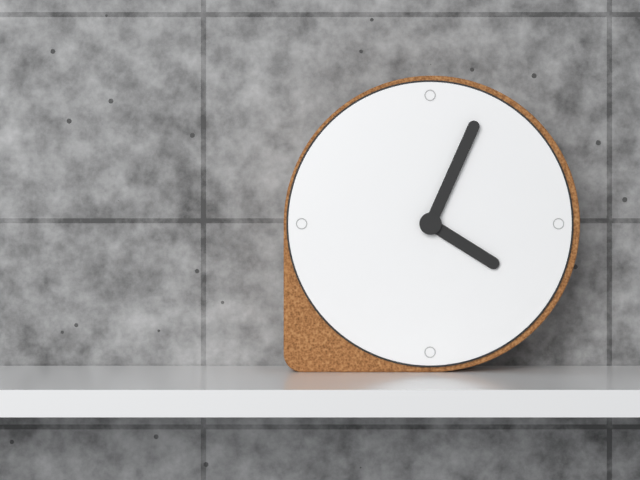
4:04
